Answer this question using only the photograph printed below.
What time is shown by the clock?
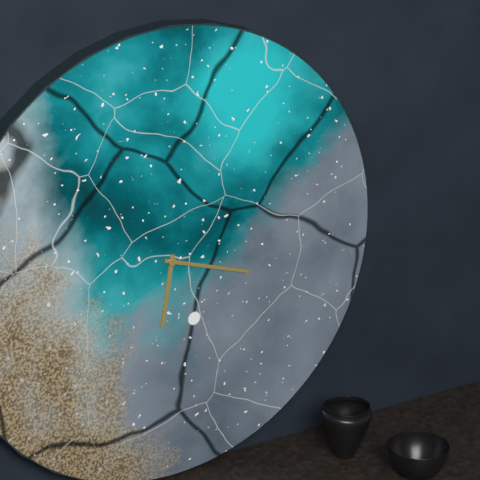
6:18
